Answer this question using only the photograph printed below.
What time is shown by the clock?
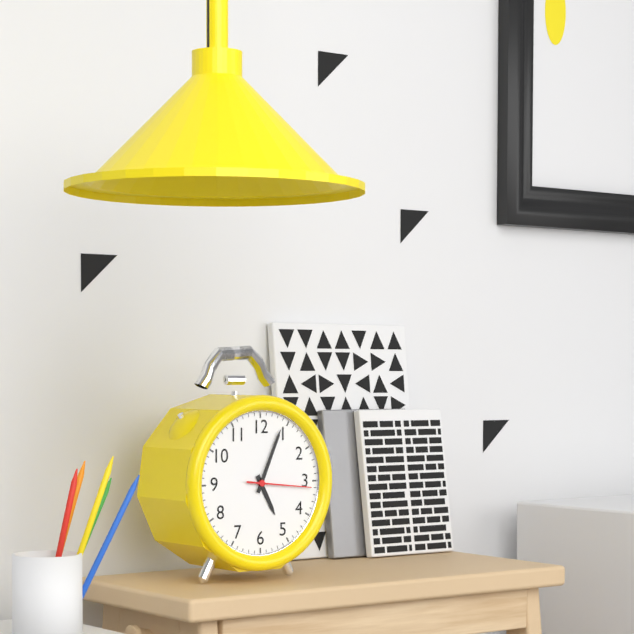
5:04:16
